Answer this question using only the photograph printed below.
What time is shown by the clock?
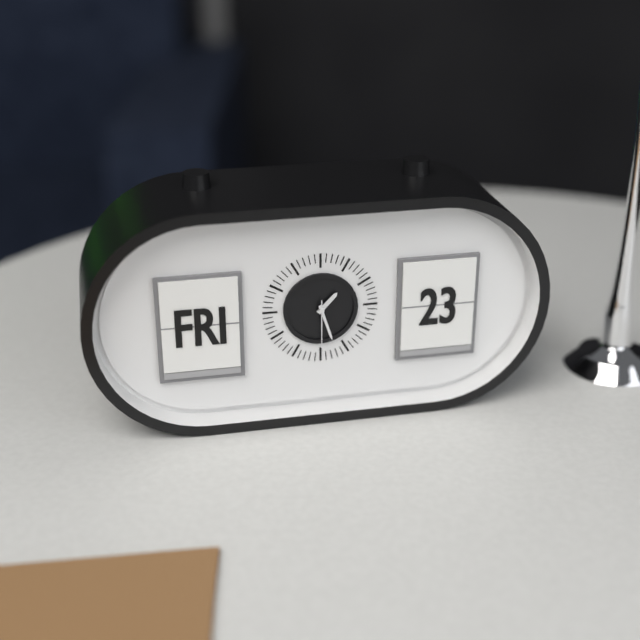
1:27:30
